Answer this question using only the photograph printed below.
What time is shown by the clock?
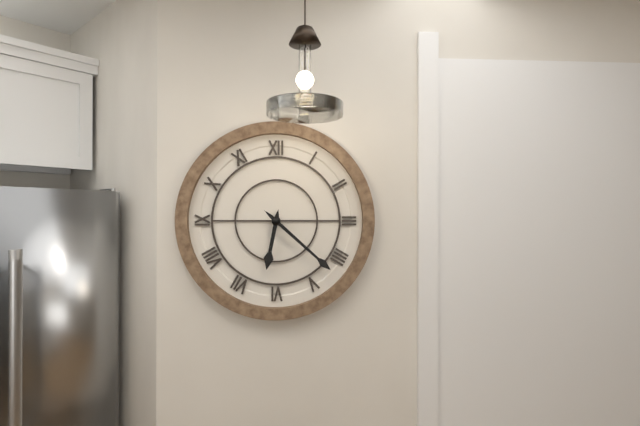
6:22
